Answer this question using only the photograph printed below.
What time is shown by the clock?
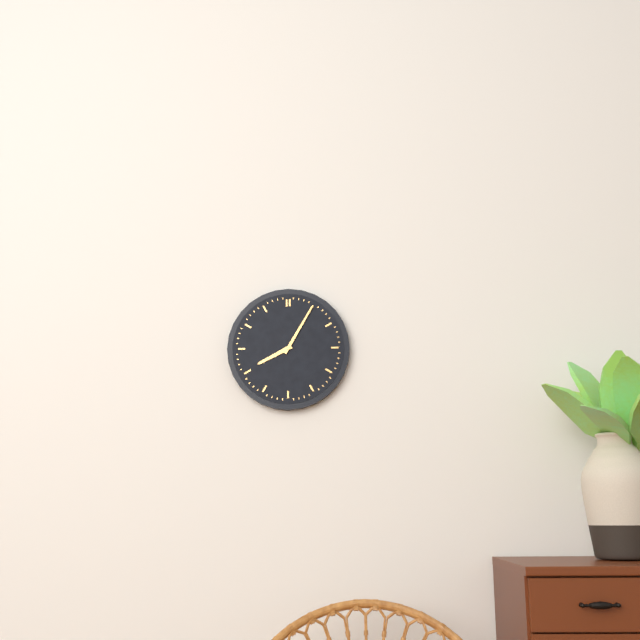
8:05
